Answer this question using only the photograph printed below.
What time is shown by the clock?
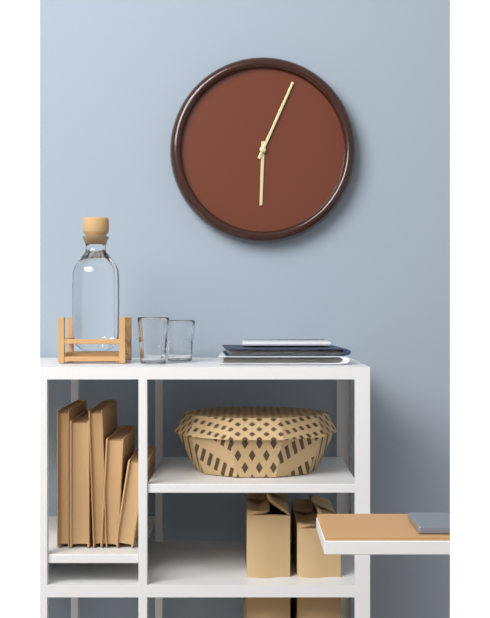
6:04
